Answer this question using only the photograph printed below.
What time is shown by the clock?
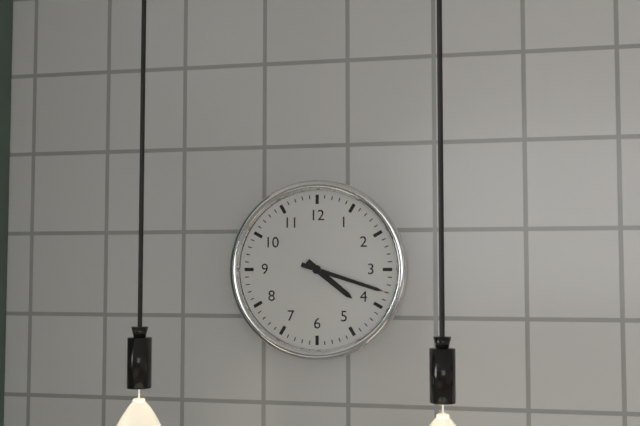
4:18
